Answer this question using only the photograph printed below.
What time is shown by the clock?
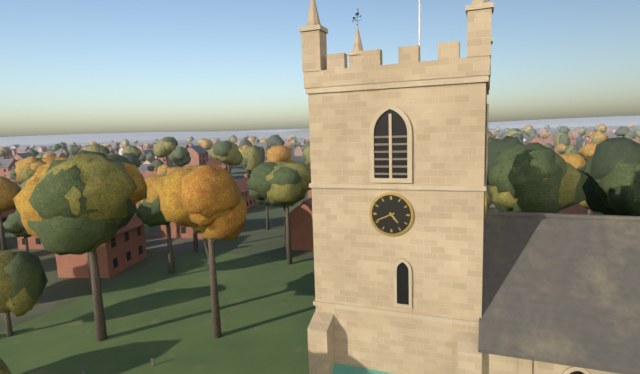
4:41
